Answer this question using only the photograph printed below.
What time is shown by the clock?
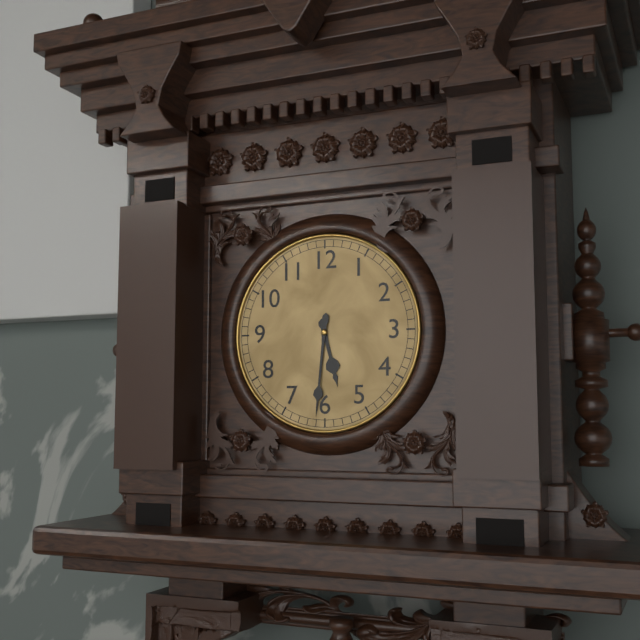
5:31
